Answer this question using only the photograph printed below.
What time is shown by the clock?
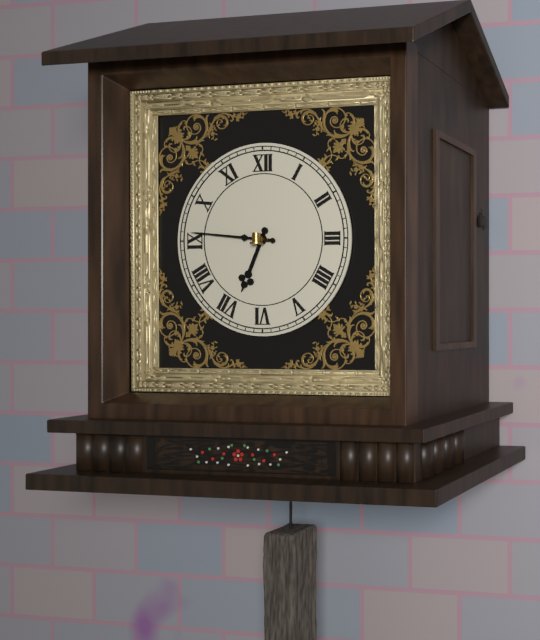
6:46
